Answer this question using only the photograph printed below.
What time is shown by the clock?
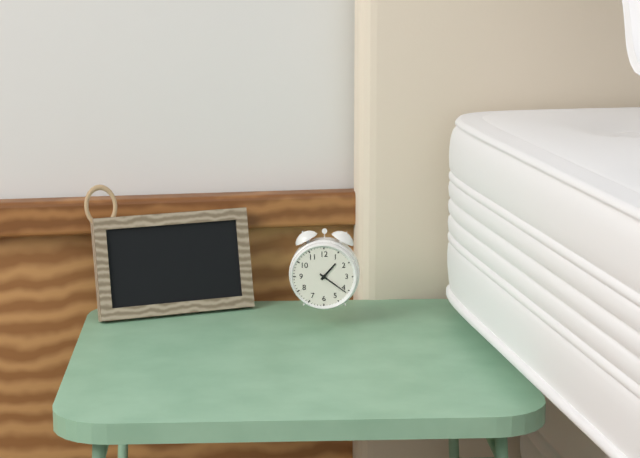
1:21
